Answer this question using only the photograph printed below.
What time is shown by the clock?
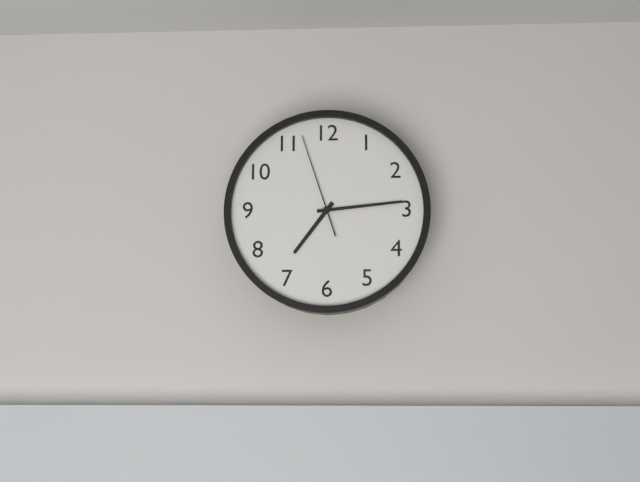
7:14:57
